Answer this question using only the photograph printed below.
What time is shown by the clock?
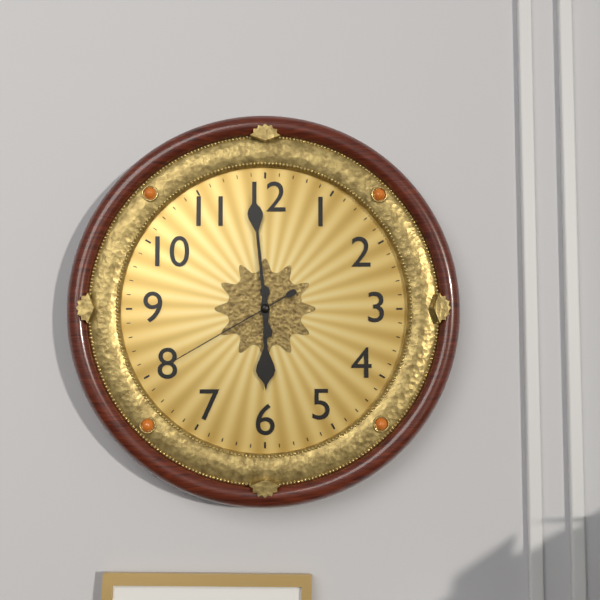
5:59:40
